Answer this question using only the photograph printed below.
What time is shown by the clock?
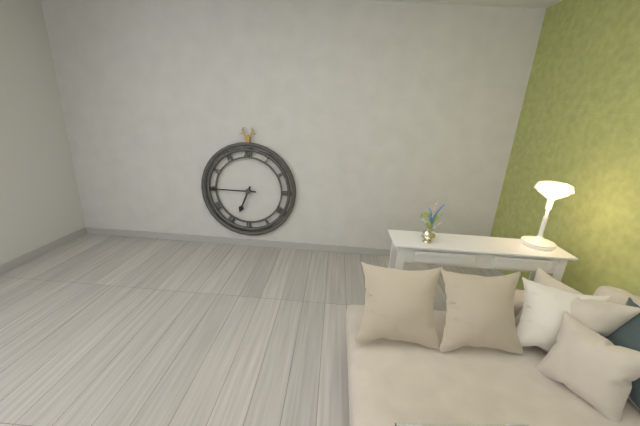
6:45
